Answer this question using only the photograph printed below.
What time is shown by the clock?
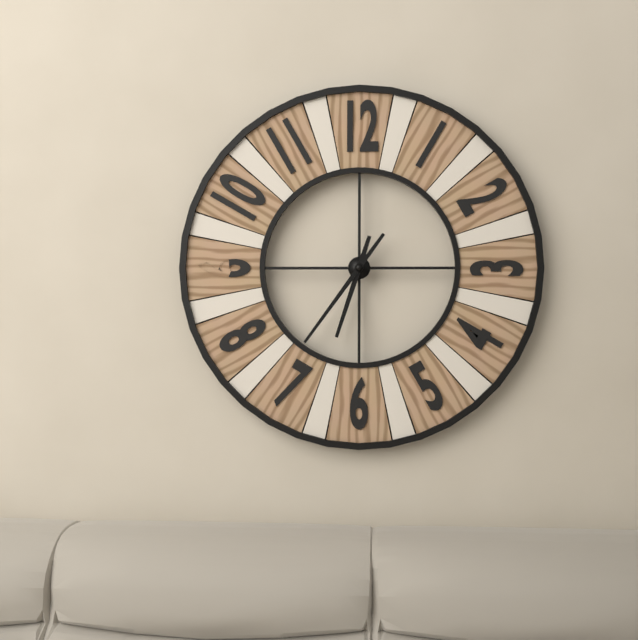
6:36
